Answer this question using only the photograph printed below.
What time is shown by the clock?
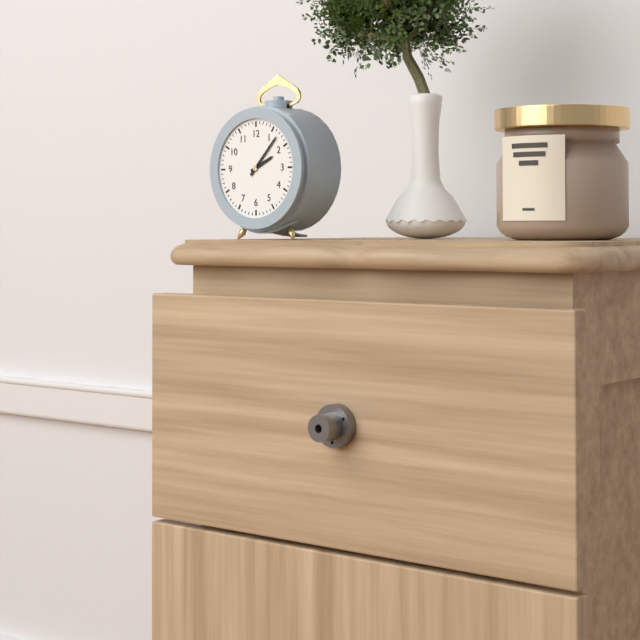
2:07
